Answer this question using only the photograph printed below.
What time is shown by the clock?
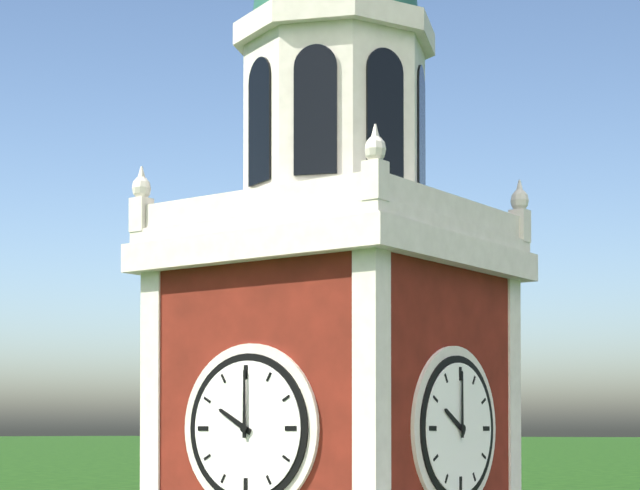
10:00
